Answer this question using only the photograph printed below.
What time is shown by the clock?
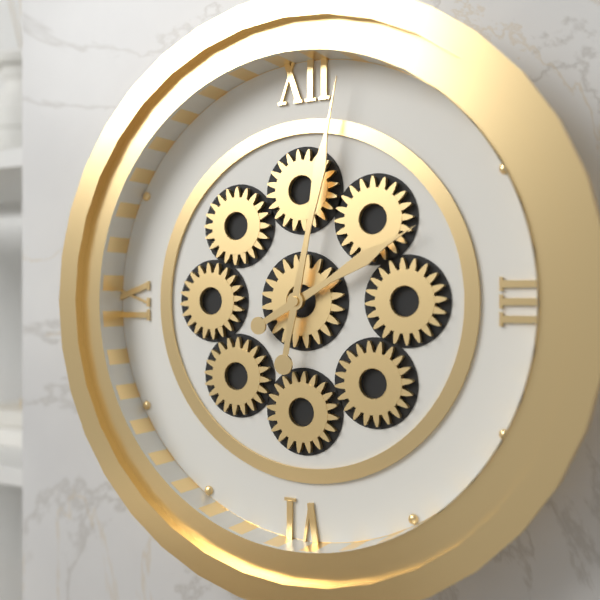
2:02
